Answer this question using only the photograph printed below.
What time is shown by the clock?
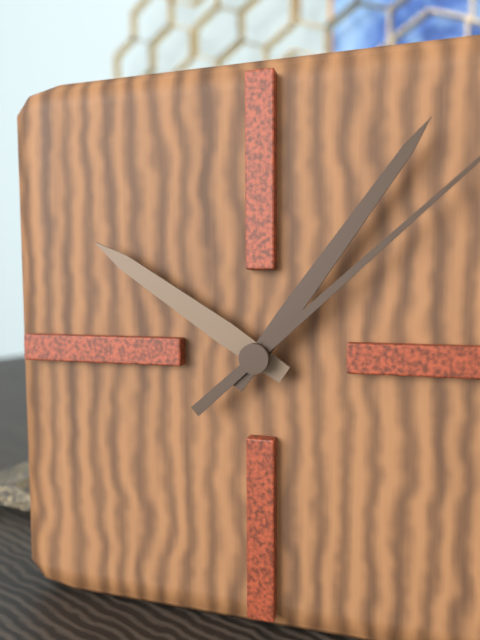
10:06
